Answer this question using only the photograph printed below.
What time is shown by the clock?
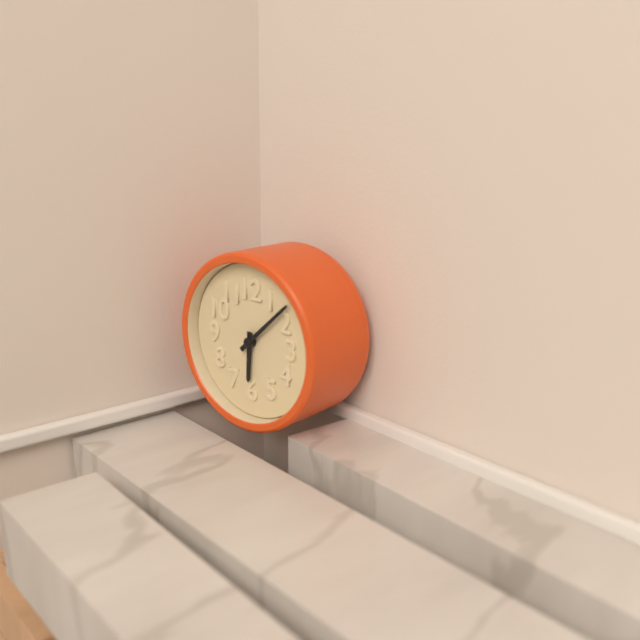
6:08
